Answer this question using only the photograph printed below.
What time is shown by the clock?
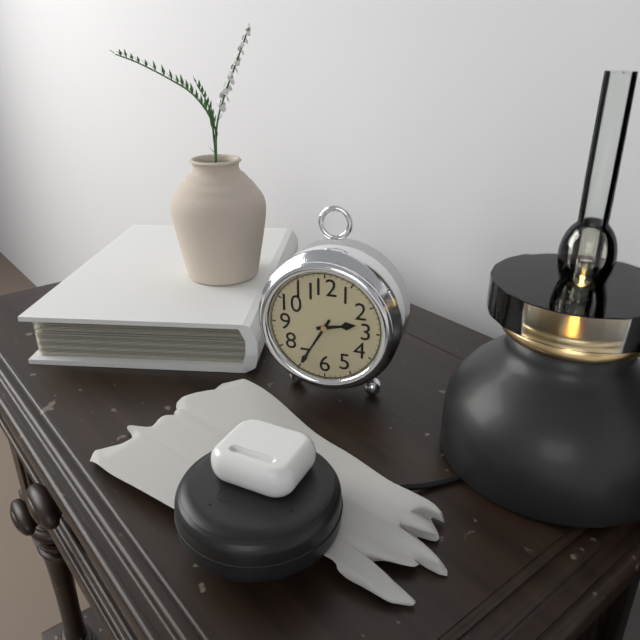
2:35
